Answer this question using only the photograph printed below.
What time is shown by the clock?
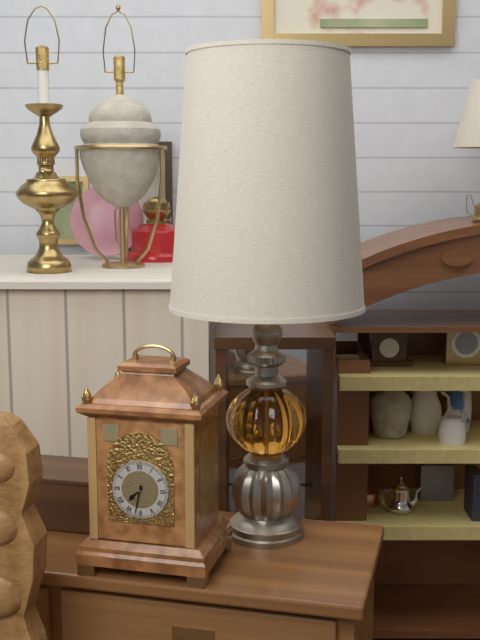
7:32
